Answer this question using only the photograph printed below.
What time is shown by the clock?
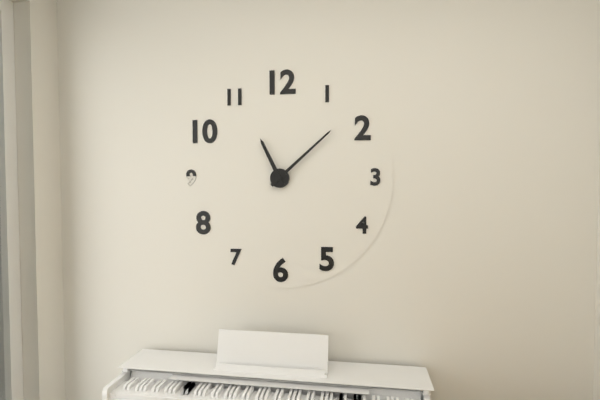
11:08
